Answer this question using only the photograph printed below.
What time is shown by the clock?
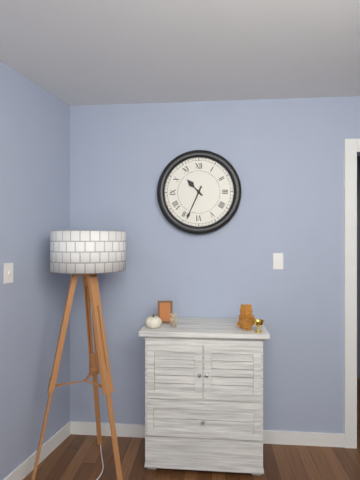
10:34
